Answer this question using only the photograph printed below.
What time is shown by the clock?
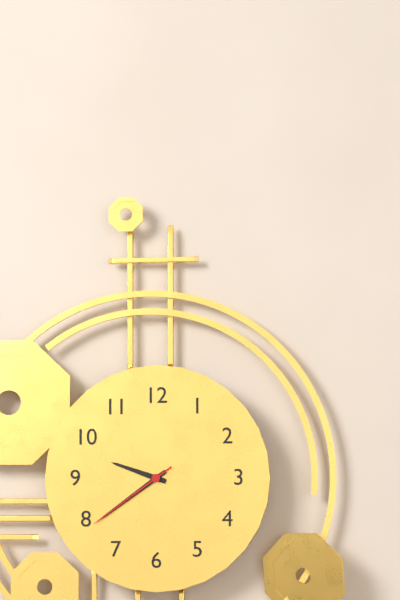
9:39:39
